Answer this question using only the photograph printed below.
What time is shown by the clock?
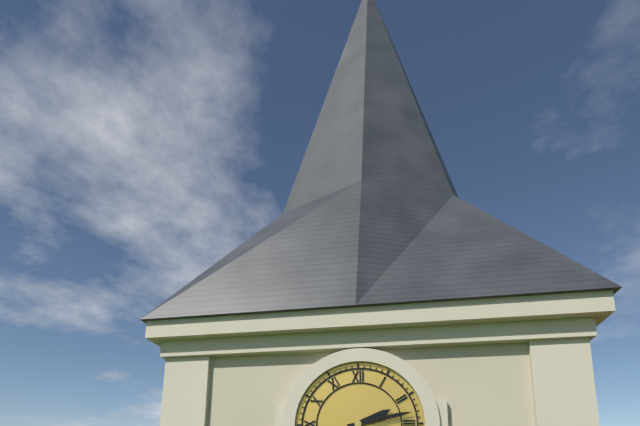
2:13
